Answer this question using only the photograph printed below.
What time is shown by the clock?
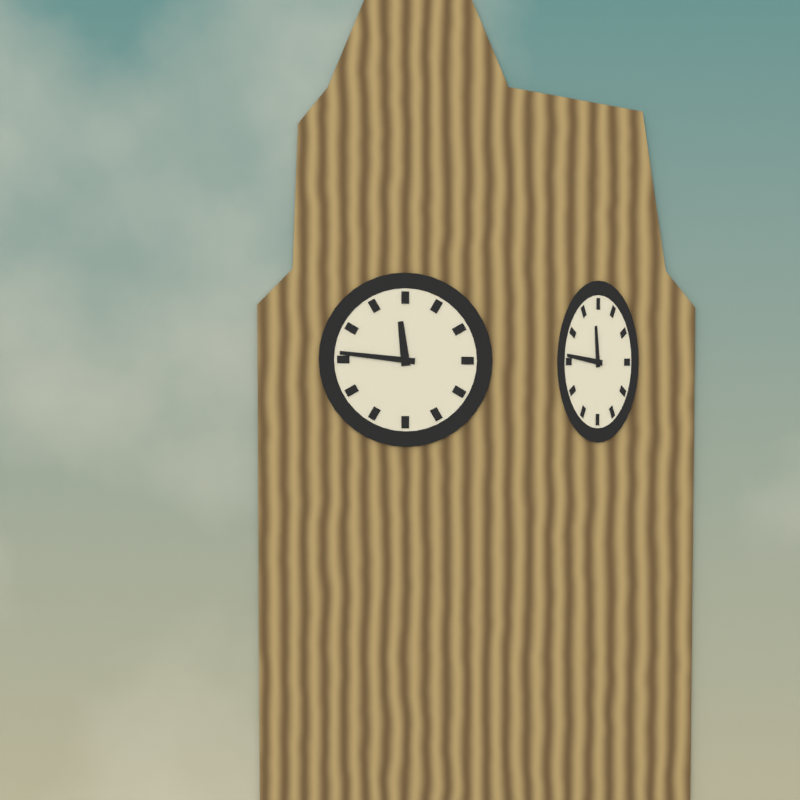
11:46
